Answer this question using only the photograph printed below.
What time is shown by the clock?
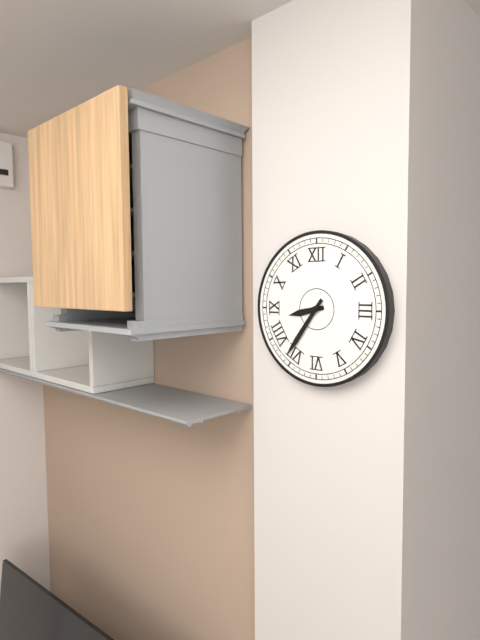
8:36
